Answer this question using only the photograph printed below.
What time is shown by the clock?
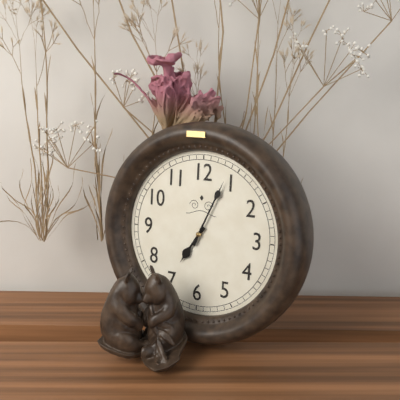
7:04
